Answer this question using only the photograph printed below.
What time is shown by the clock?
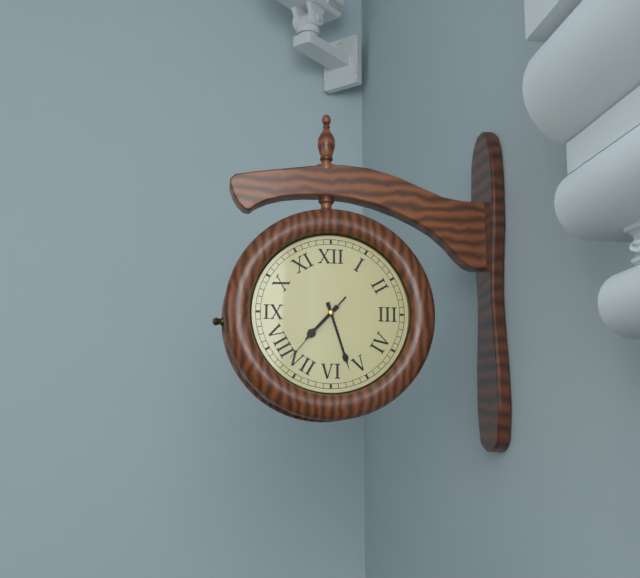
7:27:37
